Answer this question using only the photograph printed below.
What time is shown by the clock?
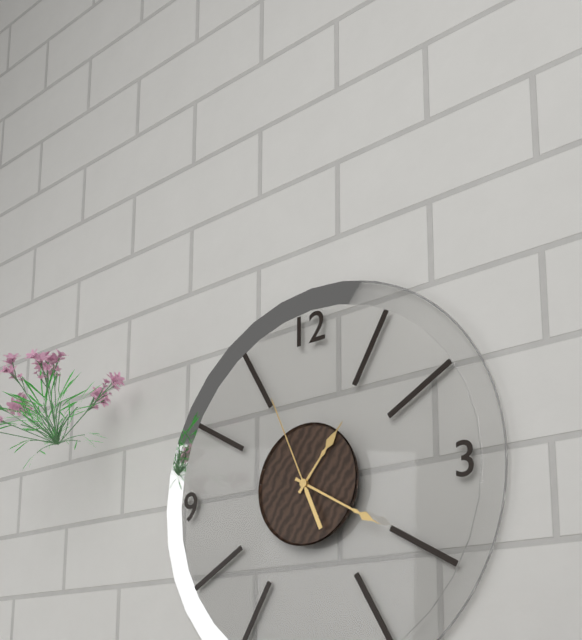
1:20:56
